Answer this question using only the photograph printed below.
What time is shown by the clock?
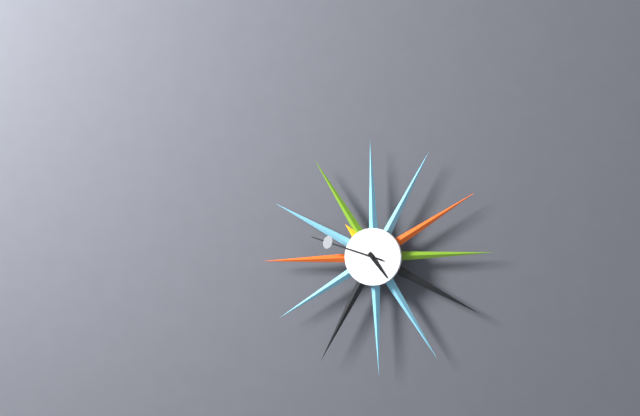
4:48
